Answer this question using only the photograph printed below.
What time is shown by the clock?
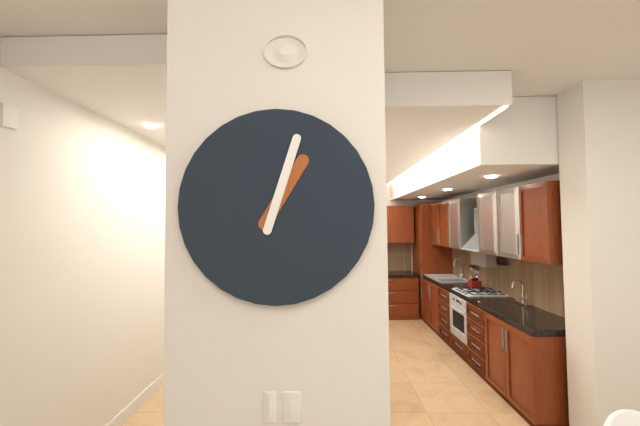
1:03
